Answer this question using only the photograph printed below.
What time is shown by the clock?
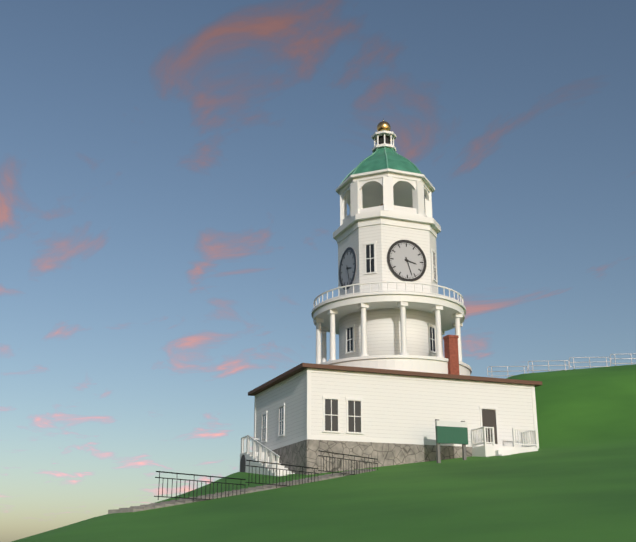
3:27
